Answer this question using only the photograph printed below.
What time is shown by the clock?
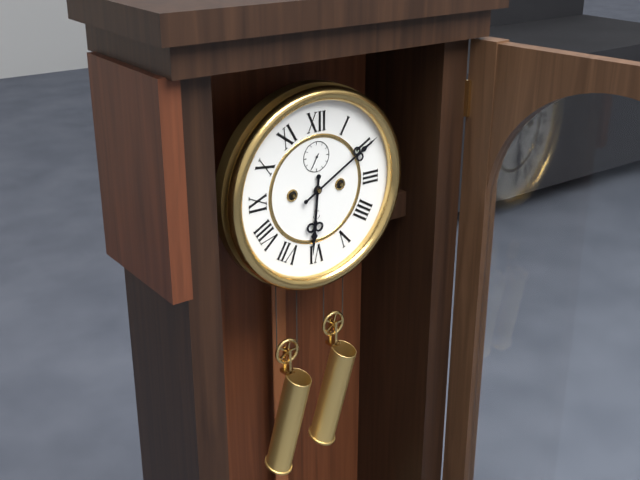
6:10
